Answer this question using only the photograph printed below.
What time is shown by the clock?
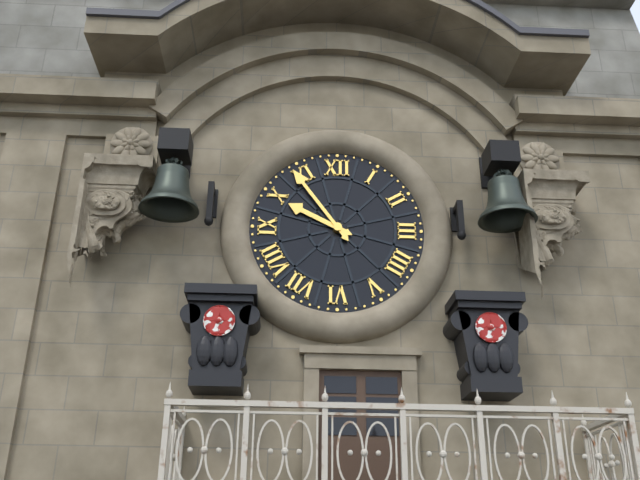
9:54
